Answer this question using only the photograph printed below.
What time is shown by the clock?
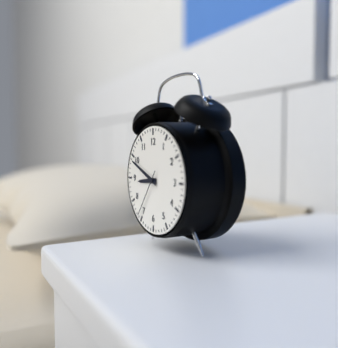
8:49:36
